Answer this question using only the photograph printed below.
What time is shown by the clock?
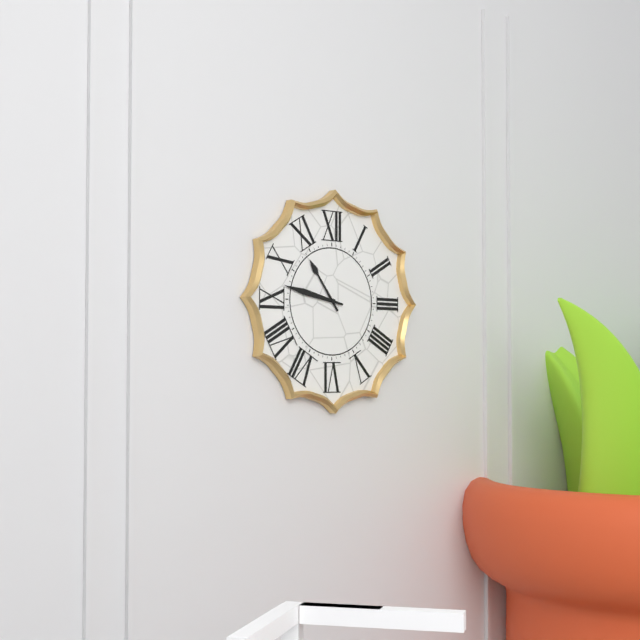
10:47
